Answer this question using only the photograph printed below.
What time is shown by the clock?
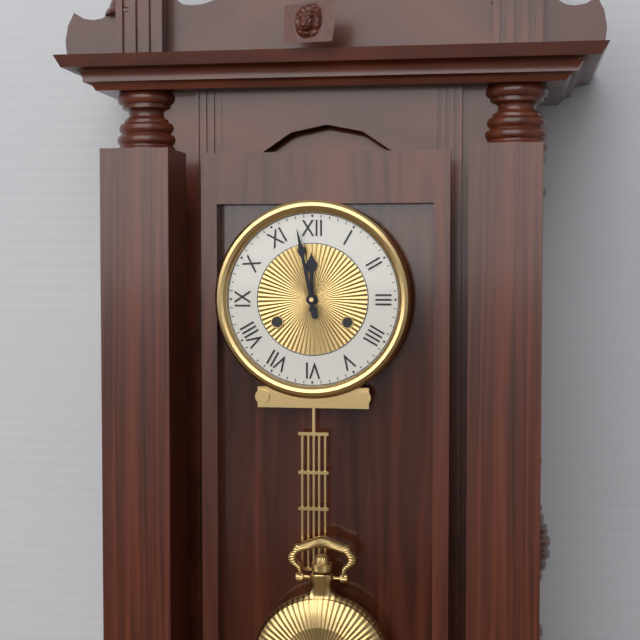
11:58
